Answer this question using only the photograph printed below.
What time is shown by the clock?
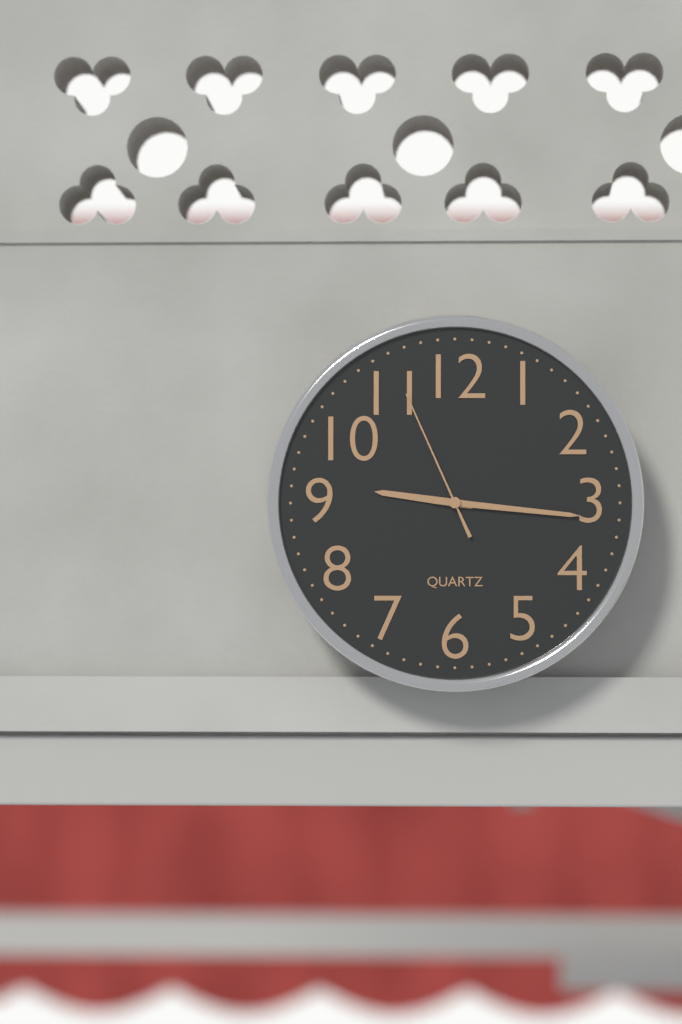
9:16:56
